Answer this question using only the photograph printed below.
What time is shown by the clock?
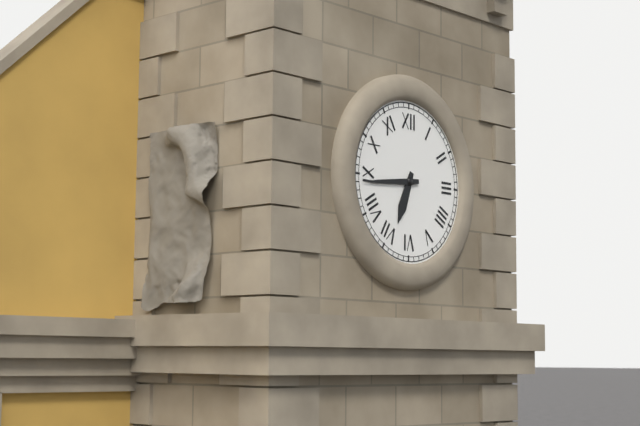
6:44
